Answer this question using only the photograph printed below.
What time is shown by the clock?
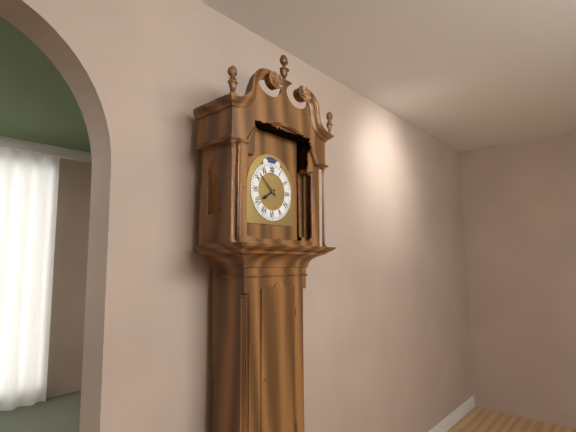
7:52
